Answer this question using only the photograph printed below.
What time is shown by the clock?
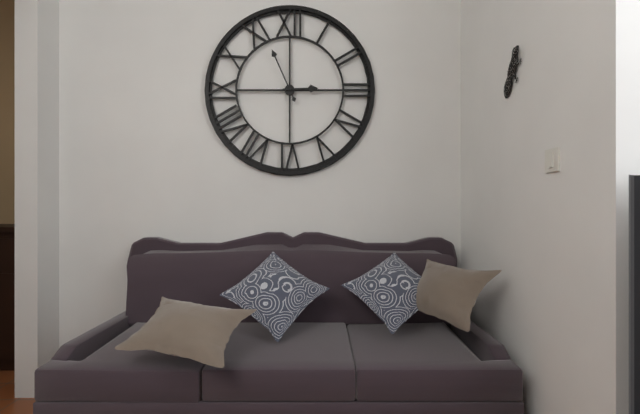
2:56
